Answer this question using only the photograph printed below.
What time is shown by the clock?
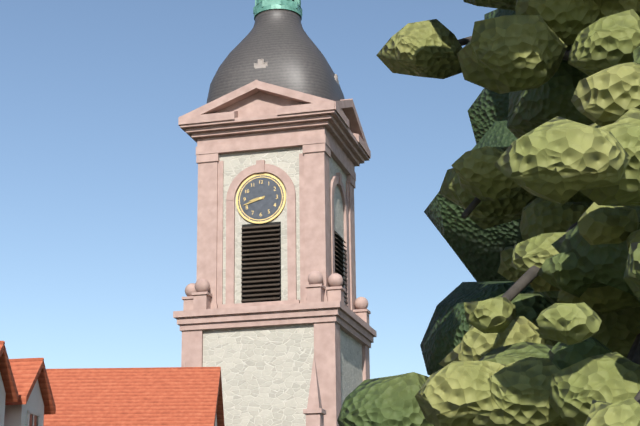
8:42
